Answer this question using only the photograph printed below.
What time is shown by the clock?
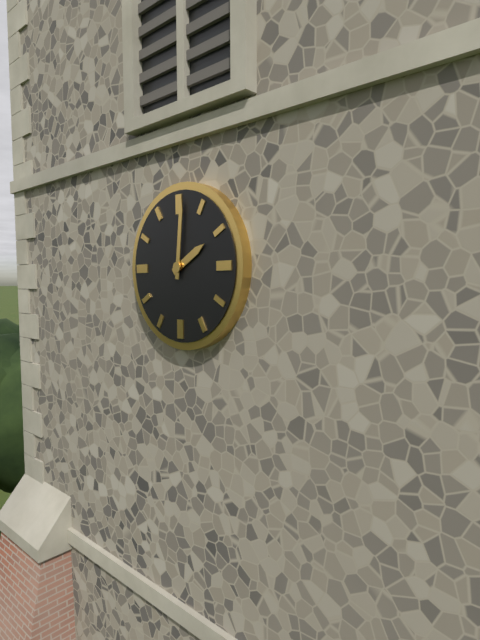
2:01
